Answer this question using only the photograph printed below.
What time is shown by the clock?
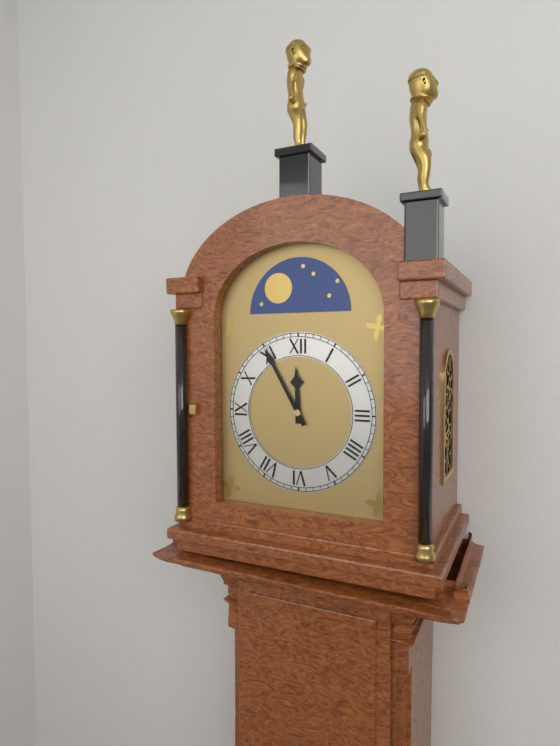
11:55
